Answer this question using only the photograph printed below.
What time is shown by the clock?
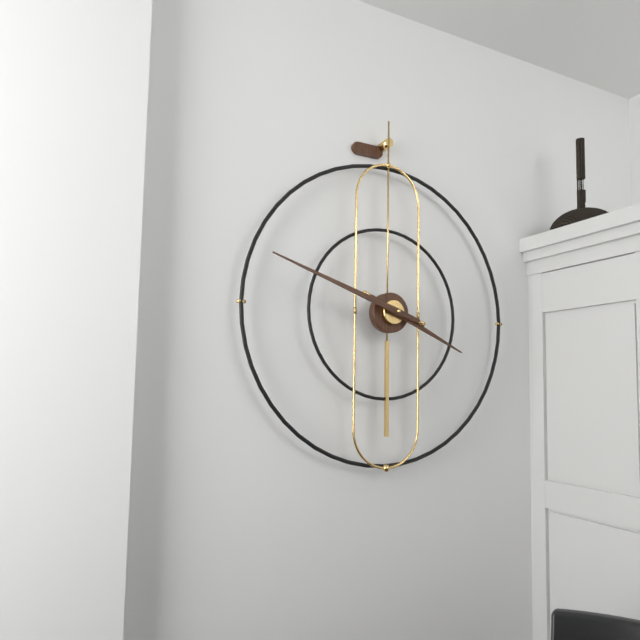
3:48
